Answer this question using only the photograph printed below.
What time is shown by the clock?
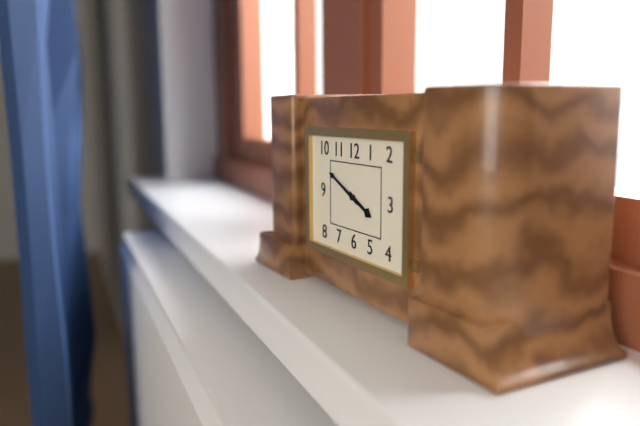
3:49
